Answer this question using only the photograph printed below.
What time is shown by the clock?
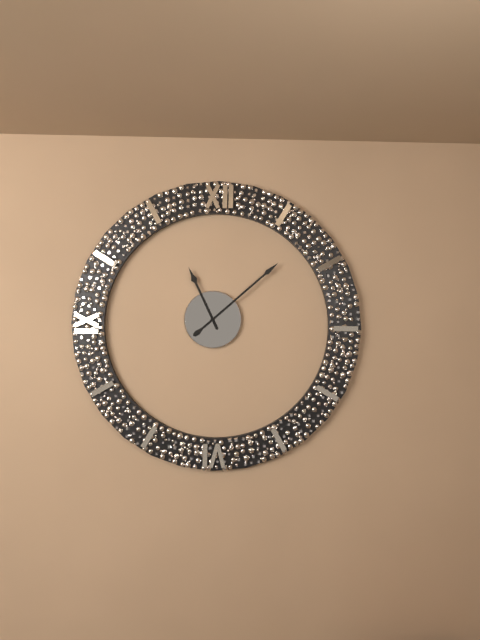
11:08
